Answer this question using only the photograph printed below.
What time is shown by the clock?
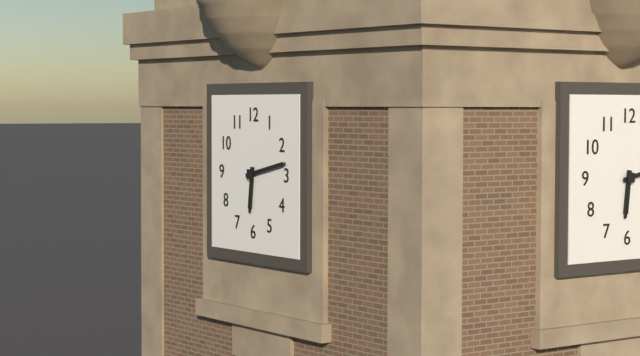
6:13
